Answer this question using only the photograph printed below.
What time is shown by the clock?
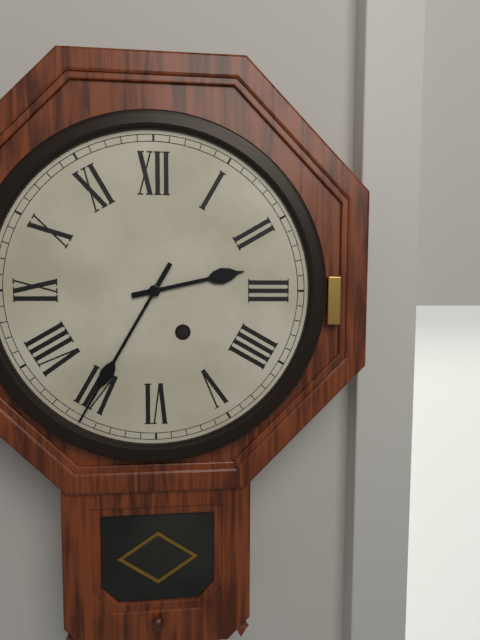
2:35
